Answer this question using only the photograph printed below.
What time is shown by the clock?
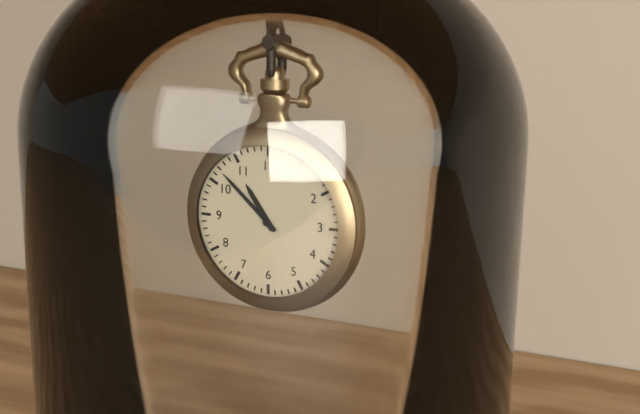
10:52
